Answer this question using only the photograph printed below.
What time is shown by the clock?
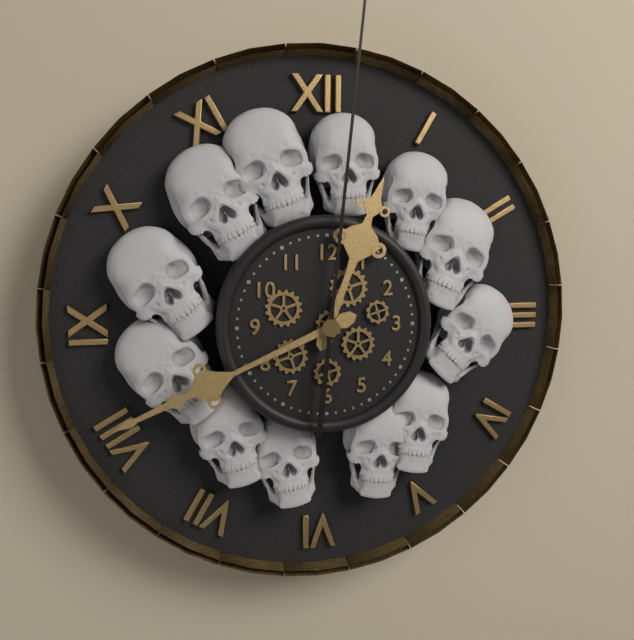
12:41
